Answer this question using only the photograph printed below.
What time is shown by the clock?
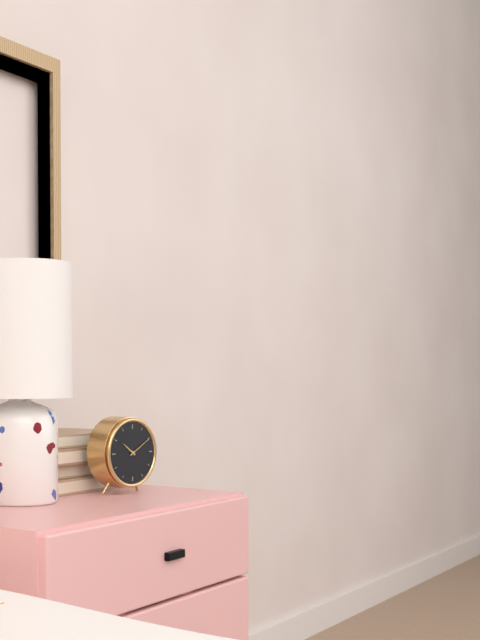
10:10
